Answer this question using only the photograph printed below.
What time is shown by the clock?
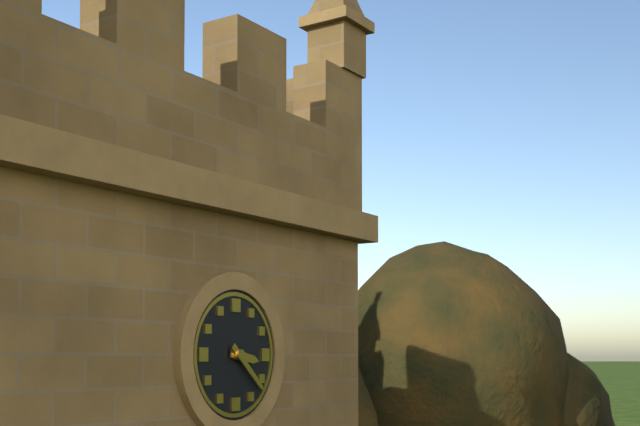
3:22
